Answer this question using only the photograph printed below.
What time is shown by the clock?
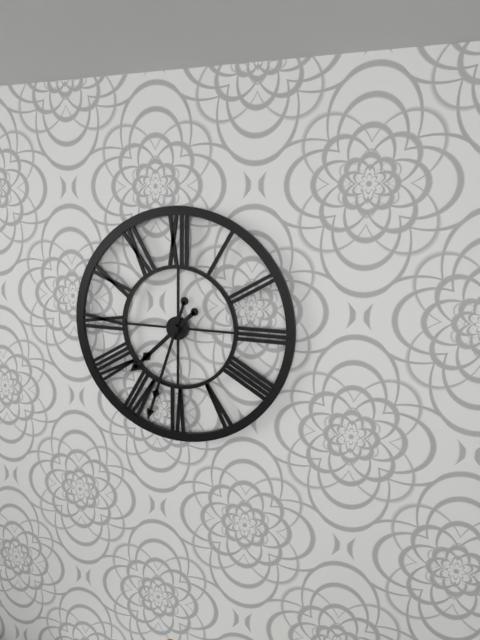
7:33
